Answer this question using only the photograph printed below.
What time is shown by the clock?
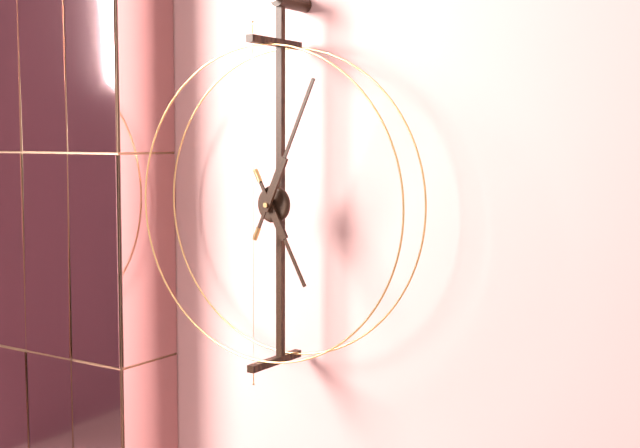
5:04
